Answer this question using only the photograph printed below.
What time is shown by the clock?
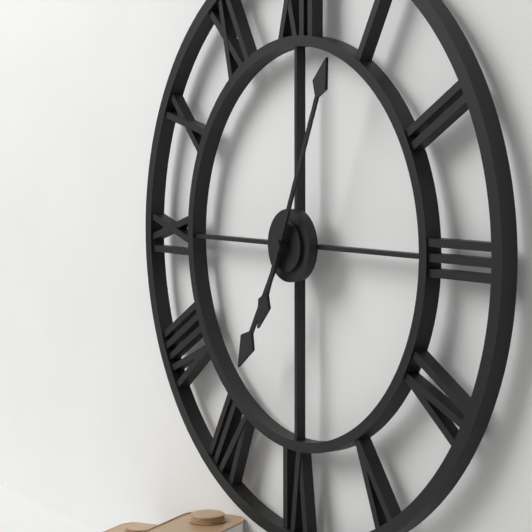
7:04
